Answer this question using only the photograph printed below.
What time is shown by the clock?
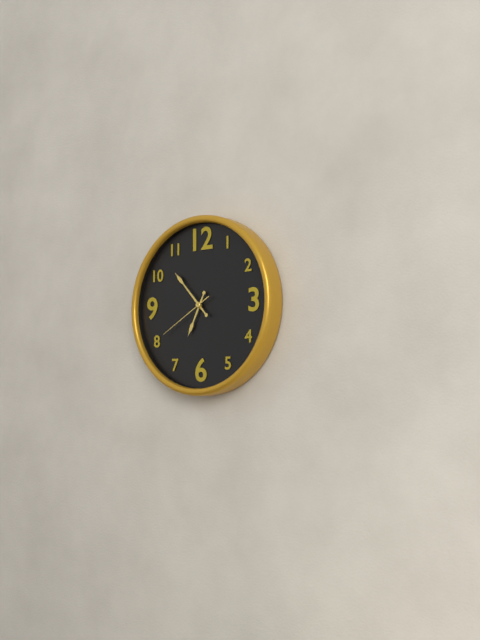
6:53:40
